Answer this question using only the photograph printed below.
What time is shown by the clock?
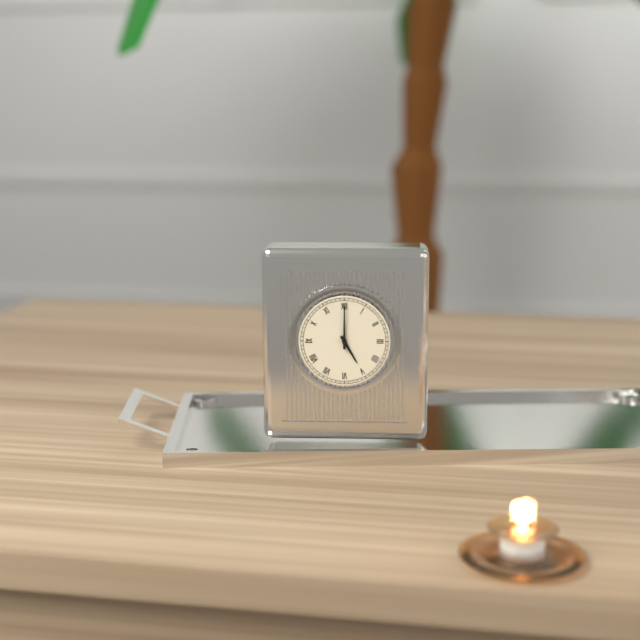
5:00
